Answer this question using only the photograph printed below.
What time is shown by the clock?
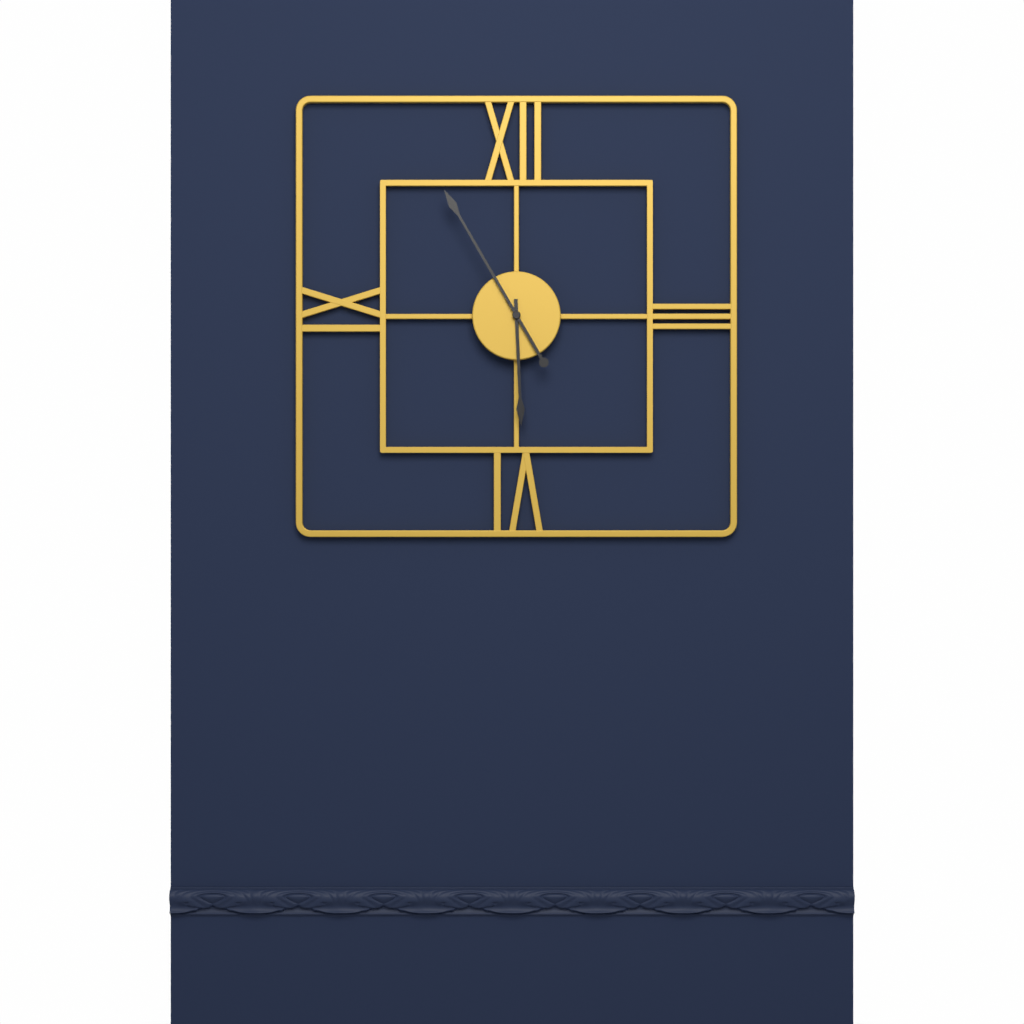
5:55
